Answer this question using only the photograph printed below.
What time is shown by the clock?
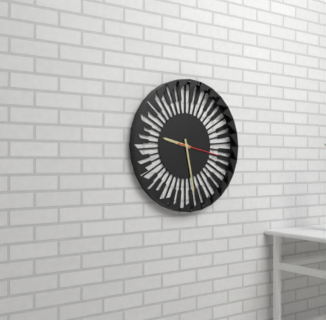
9:28
